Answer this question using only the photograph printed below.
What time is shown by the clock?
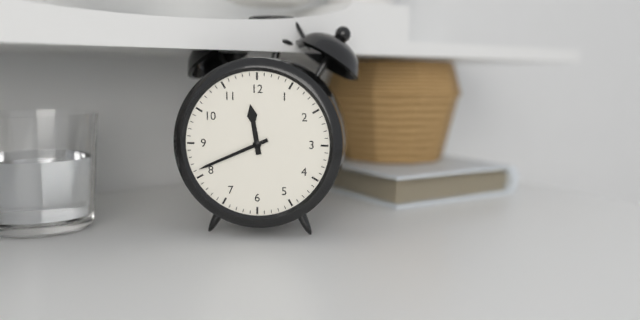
11:41
